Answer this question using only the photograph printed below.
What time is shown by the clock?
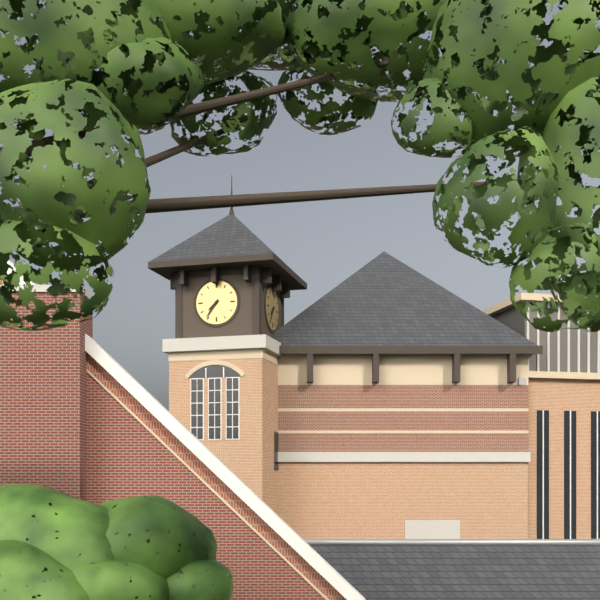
7:36
